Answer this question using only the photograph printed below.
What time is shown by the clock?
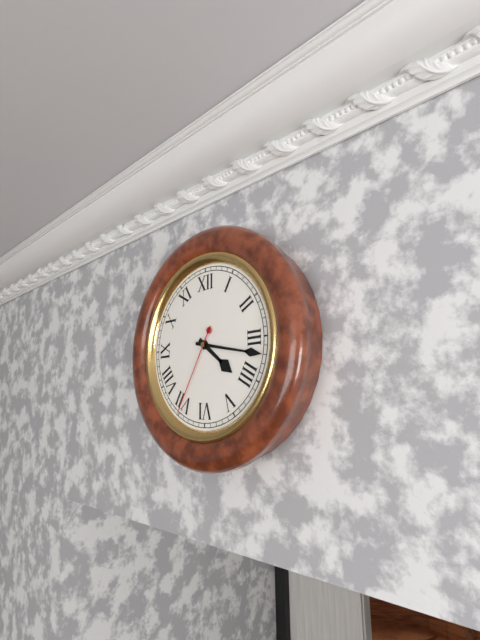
4:17:35
